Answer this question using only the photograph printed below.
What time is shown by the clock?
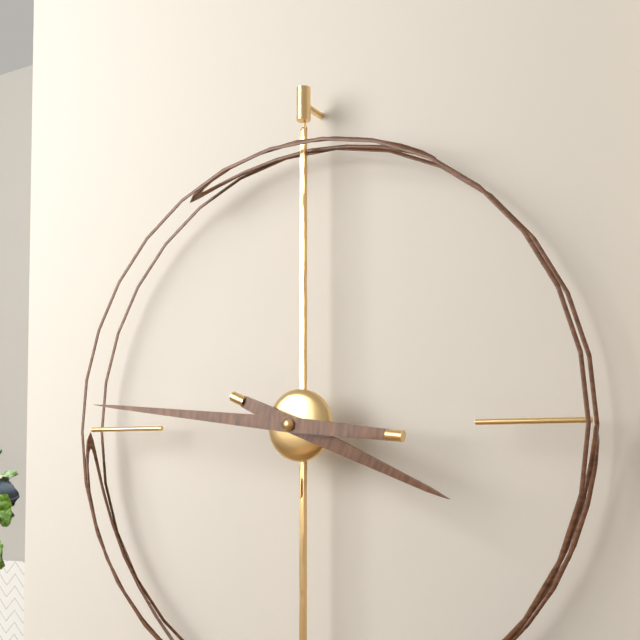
3:46
